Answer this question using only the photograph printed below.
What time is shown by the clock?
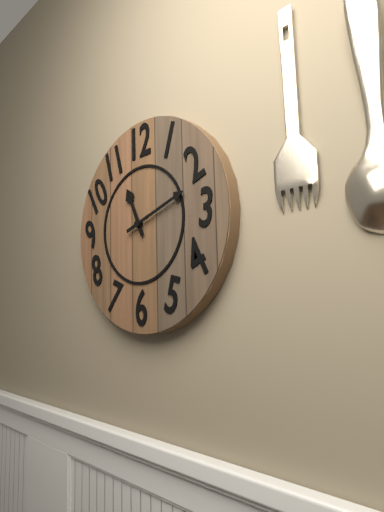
11:12
